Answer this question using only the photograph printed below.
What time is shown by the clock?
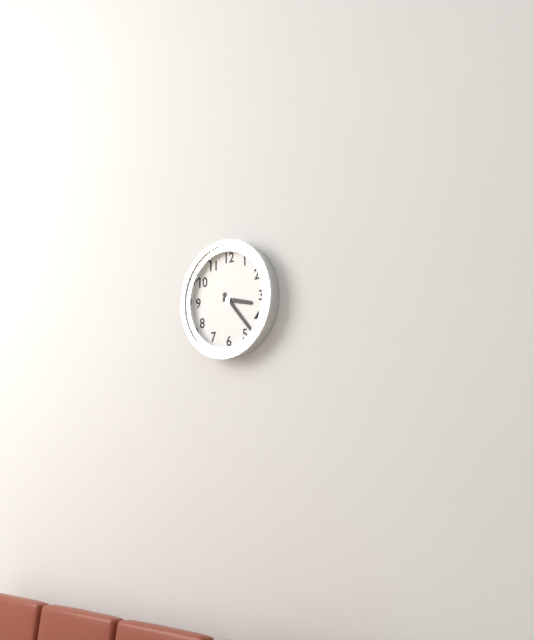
3:23
